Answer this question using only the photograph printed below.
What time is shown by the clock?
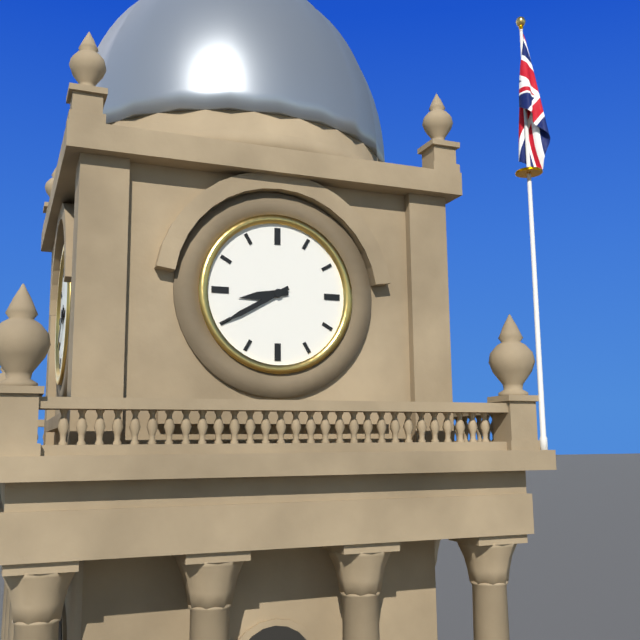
8:40
